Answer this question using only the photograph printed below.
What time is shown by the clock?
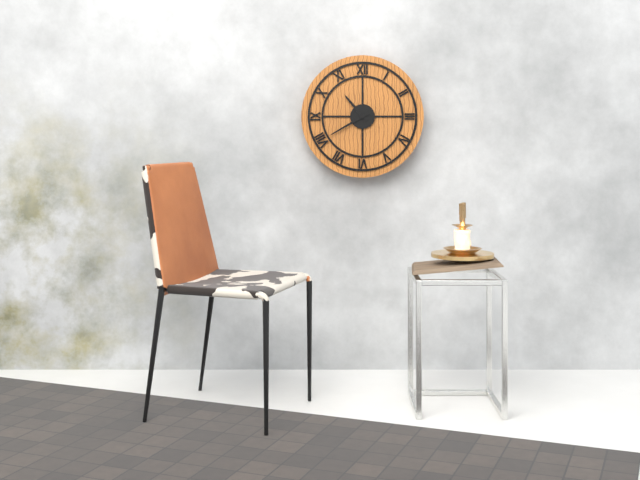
10:40
